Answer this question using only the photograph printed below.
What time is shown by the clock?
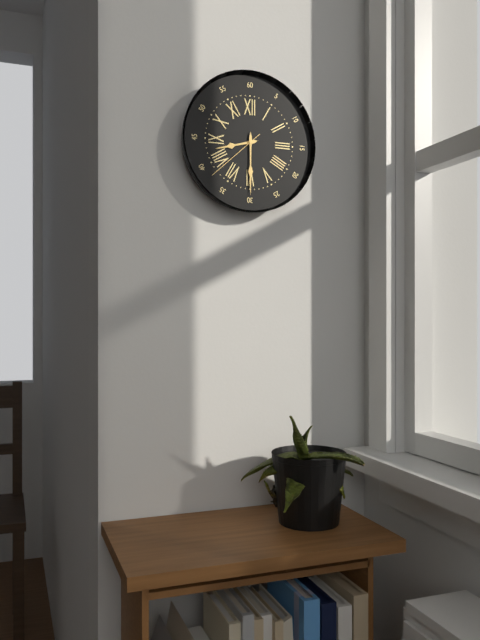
8:30:38
